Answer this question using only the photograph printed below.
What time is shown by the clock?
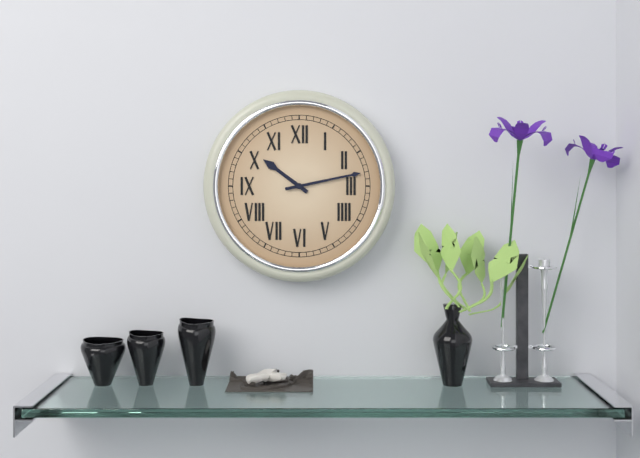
10:13
